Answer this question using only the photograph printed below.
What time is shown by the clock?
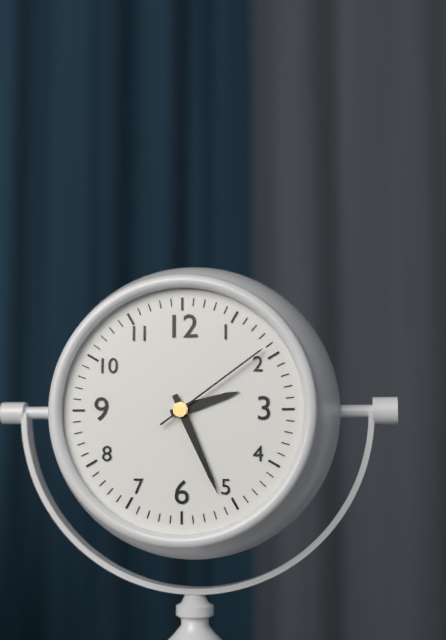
2:26:09
